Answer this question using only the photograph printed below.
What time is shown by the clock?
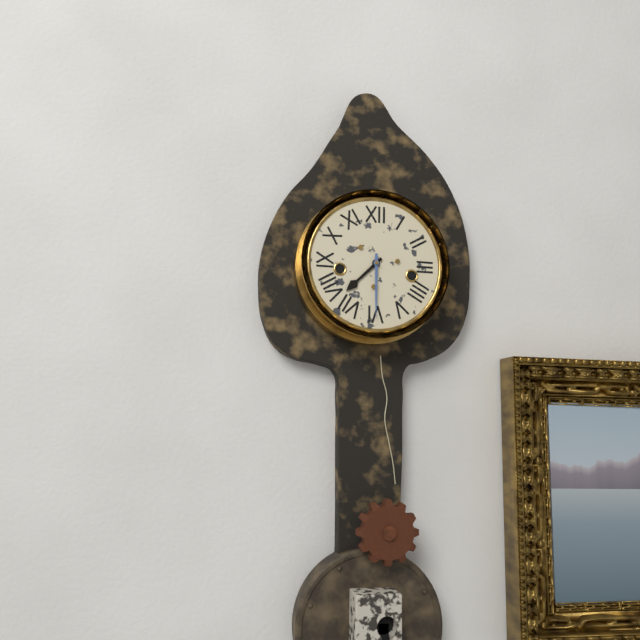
7:30
